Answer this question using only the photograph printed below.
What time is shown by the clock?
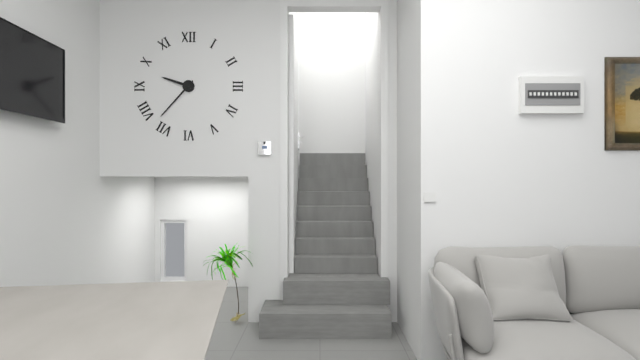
9:37
